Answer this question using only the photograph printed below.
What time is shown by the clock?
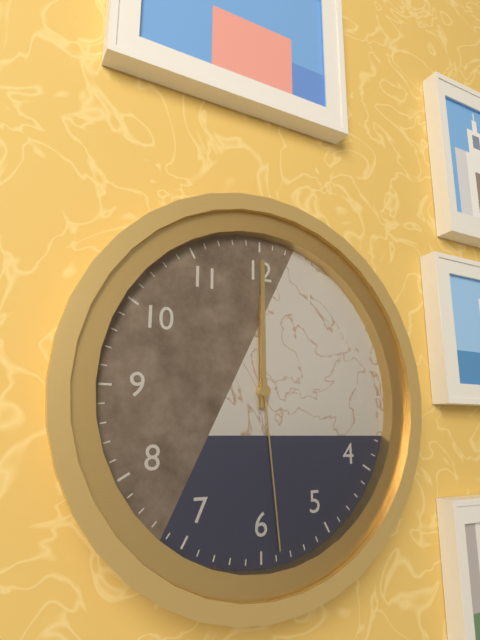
12:00:29
